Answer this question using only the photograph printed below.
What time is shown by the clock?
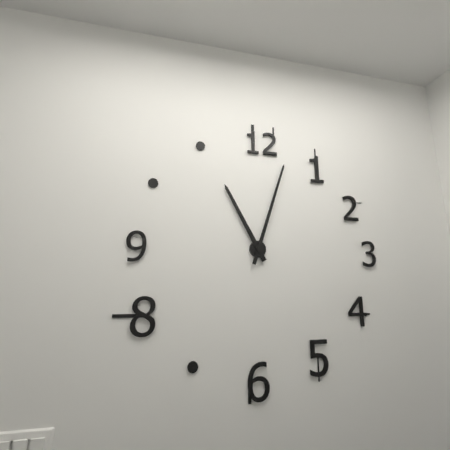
11:03
